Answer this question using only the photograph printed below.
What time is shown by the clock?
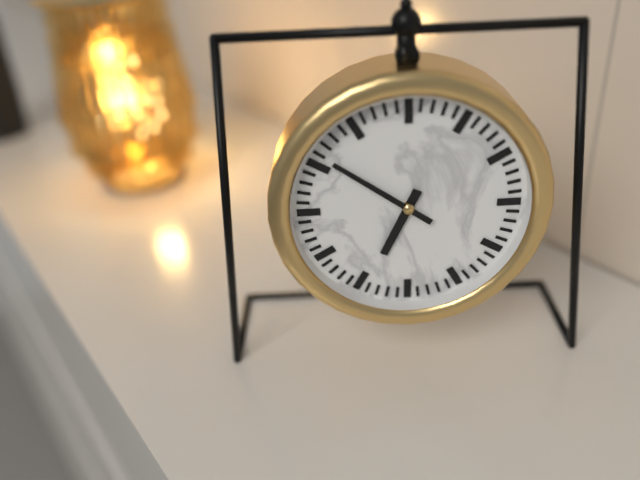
6:51
